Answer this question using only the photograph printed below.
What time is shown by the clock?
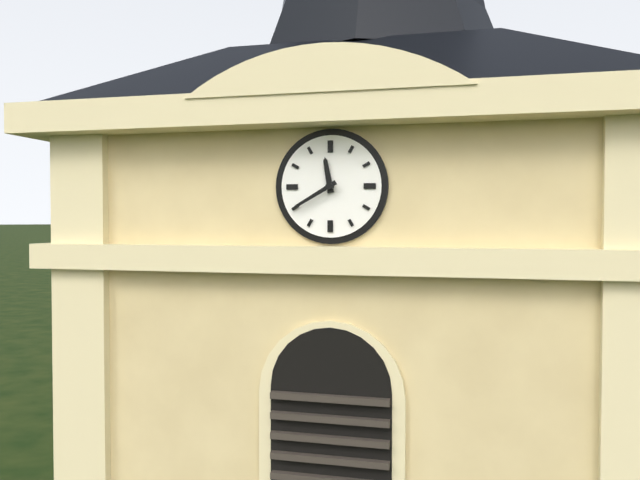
11:40
